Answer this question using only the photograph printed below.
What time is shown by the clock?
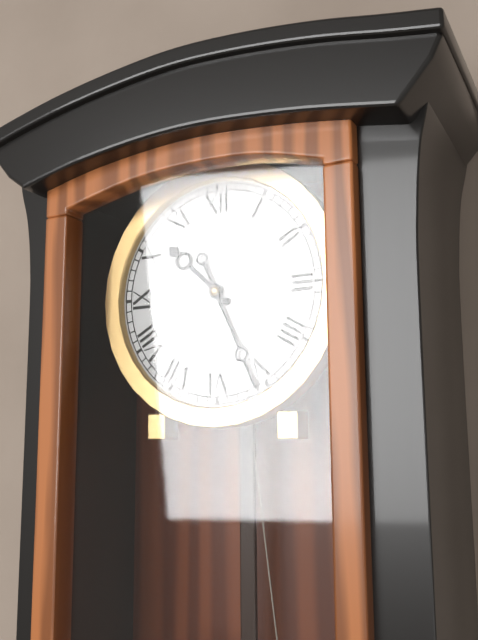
10:26
